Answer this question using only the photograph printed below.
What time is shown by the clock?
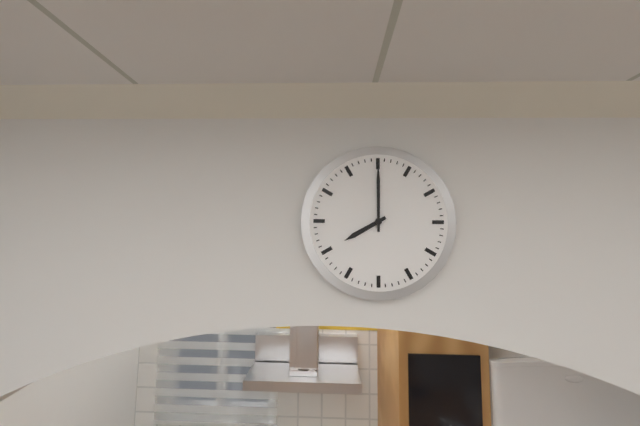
8:00
